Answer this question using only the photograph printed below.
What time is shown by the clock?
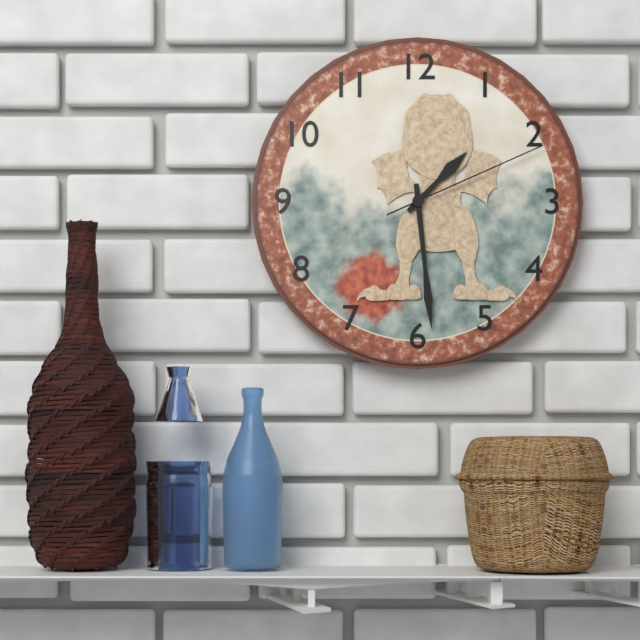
1:29:11
